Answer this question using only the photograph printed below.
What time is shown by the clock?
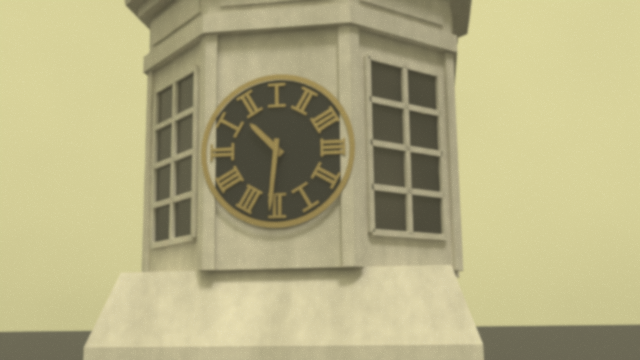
10:31
